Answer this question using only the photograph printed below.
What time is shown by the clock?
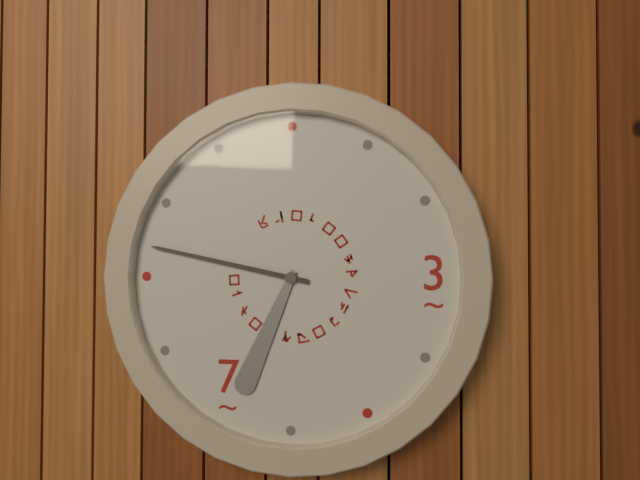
6:47
